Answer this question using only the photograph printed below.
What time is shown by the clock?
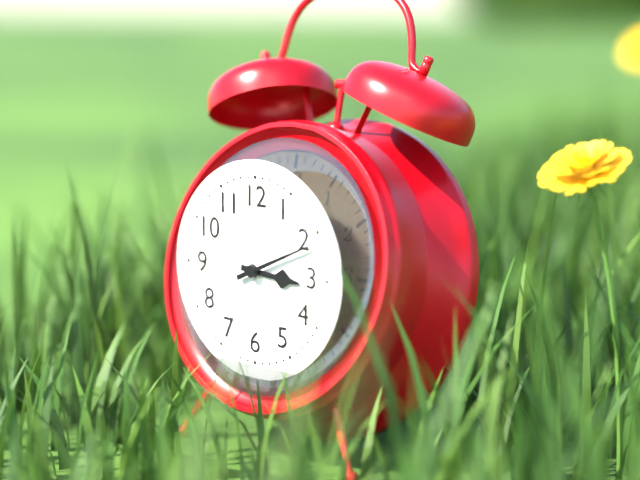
3:11
